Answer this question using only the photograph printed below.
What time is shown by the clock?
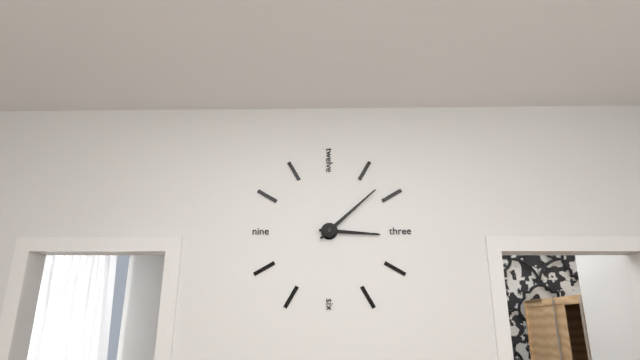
3:08
